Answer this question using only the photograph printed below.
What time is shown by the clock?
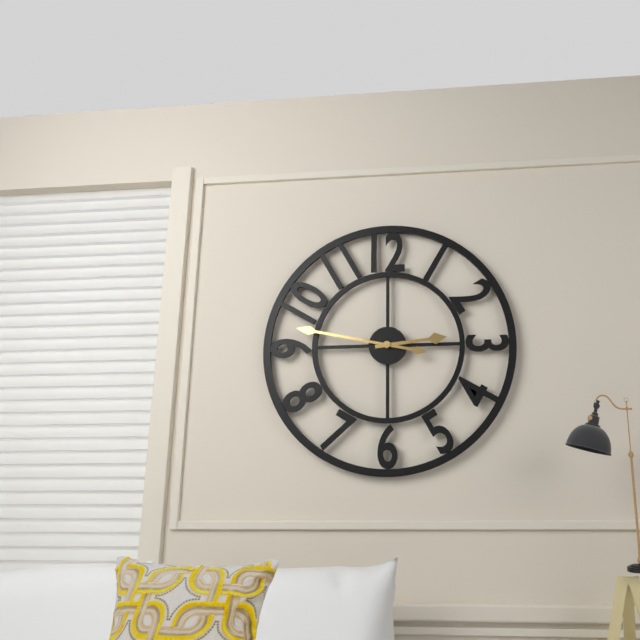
2:47
